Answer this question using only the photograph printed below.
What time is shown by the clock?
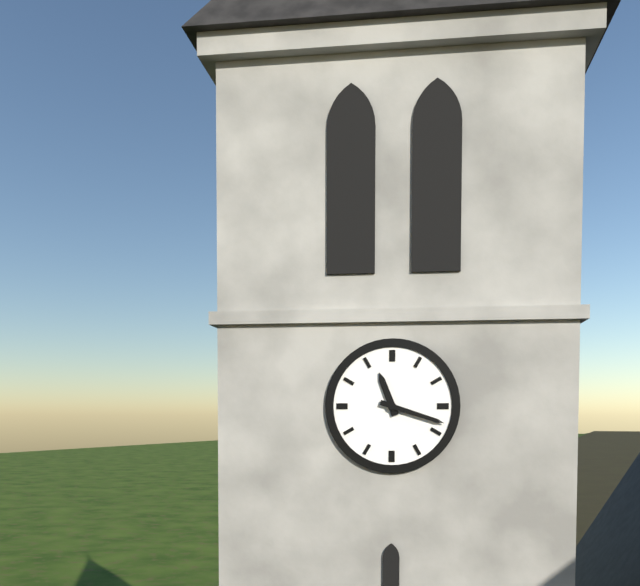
11:18
